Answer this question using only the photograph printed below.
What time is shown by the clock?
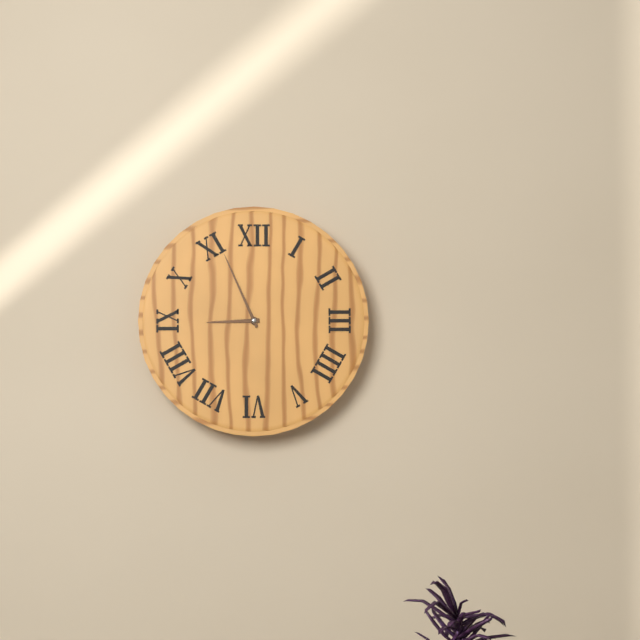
8:56
